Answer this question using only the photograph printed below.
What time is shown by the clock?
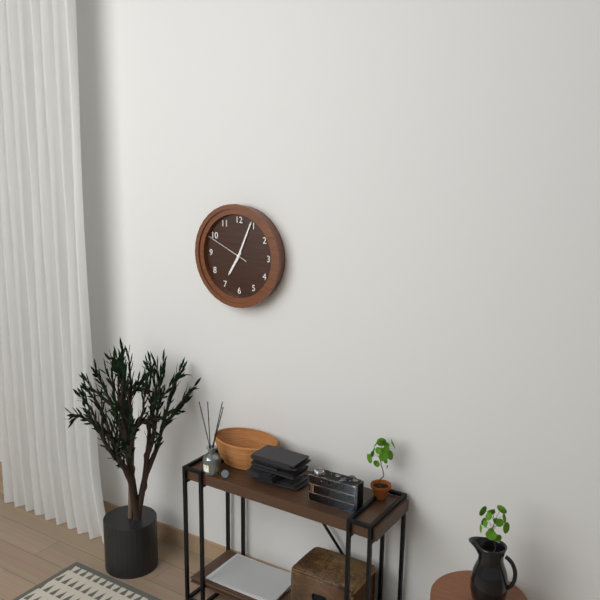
7:04
